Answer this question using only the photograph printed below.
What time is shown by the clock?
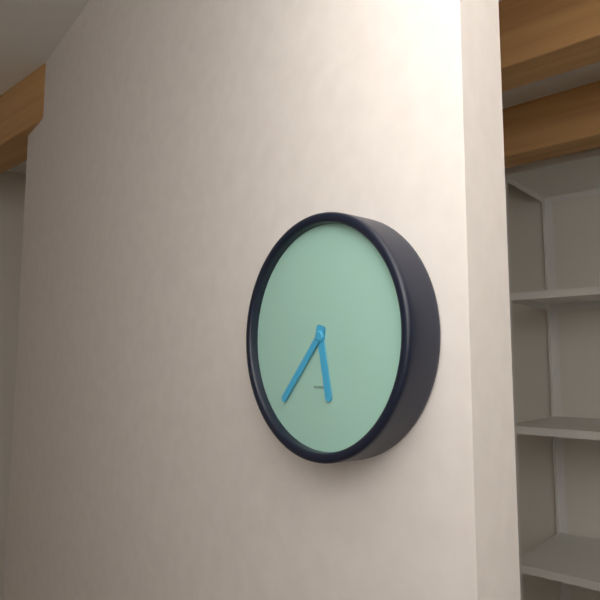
5:37
